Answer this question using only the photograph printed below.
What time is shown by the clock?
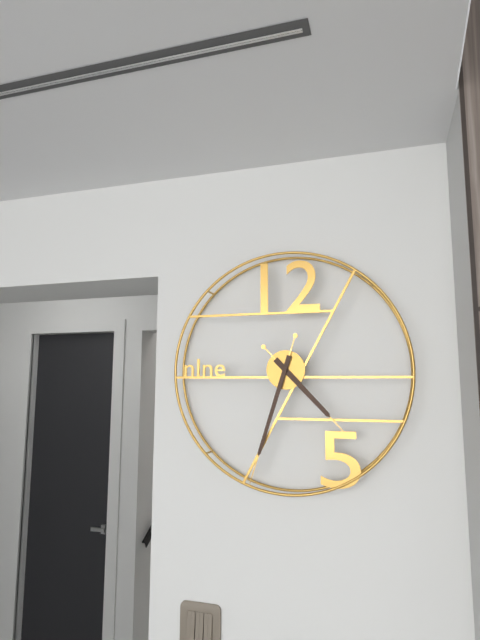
4:33
